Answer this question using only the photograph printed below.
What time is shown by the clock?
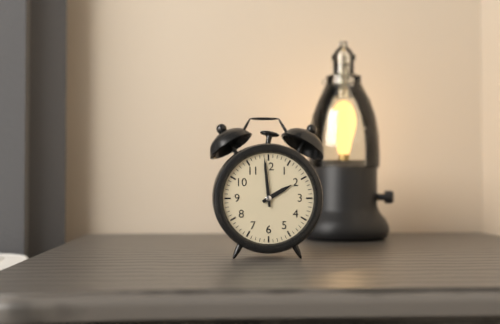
1:59
